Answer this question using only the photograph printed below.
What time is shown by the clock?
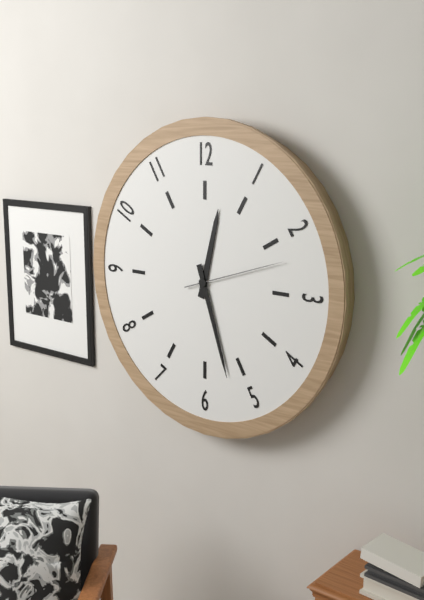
12:27:12
